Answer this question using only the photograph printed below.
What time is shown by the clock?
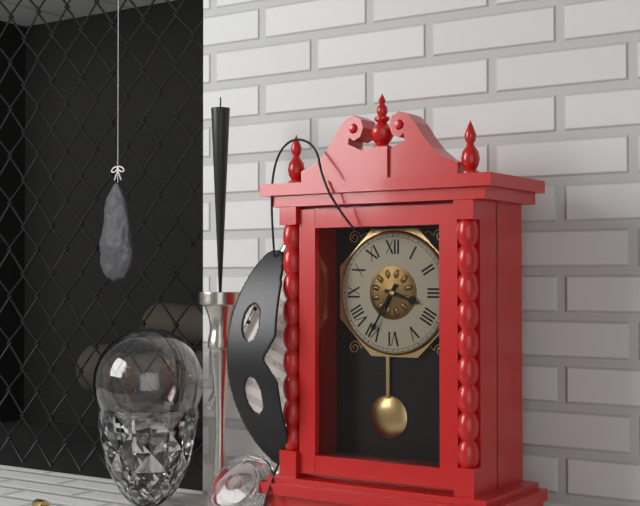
3:35
